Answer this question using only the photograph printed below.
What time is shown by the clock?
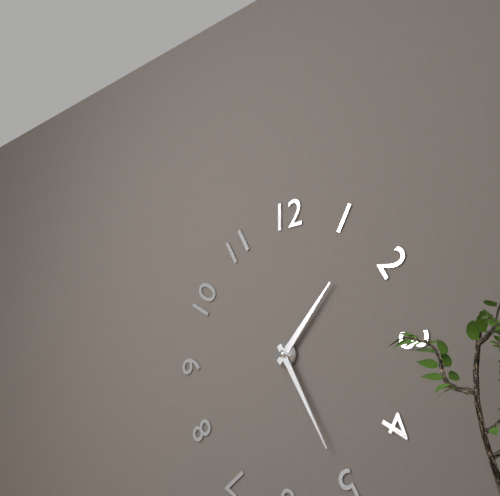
1:25
